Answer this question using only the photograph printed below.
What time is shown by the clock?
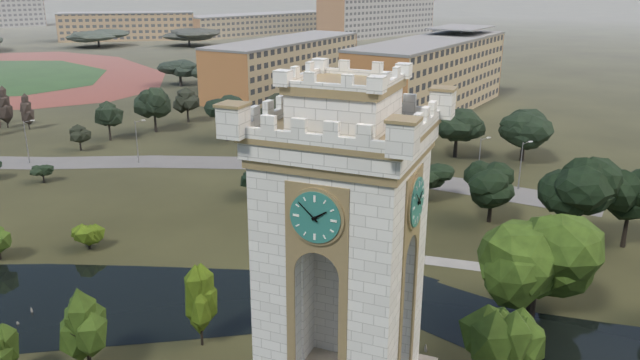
1:52
